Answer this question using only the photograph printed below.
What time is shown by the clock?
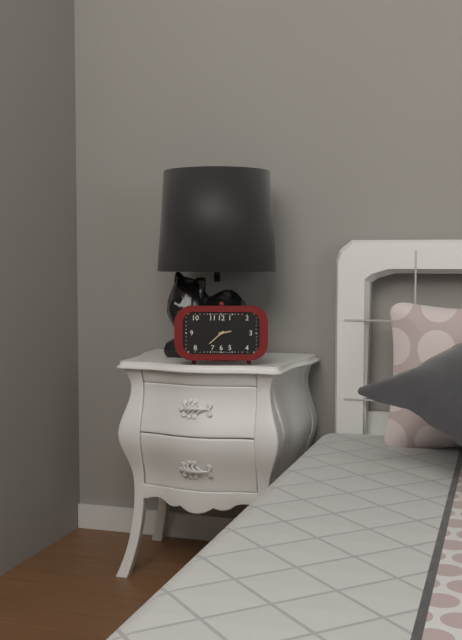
2:38
